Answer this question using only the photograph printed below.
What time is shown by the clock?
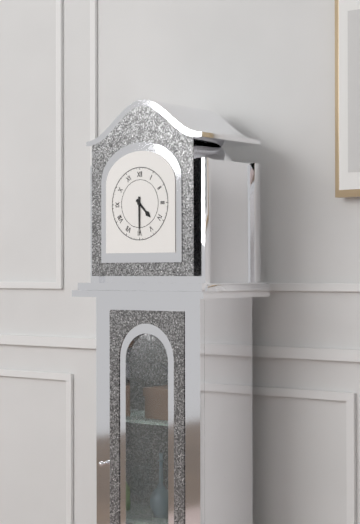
4:30
